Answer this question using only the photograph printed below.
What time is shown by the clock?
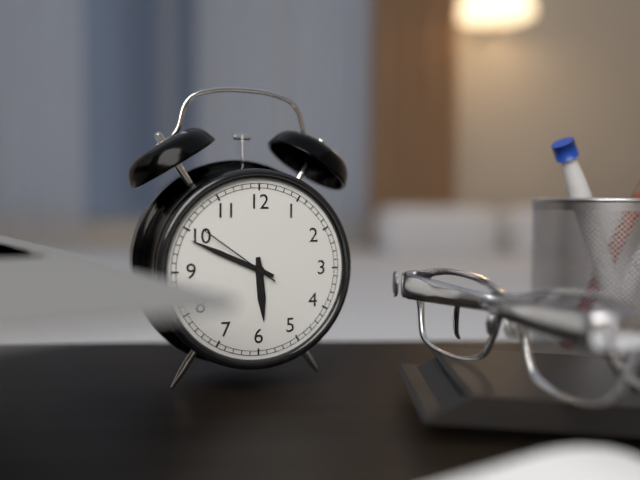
5:49:51
